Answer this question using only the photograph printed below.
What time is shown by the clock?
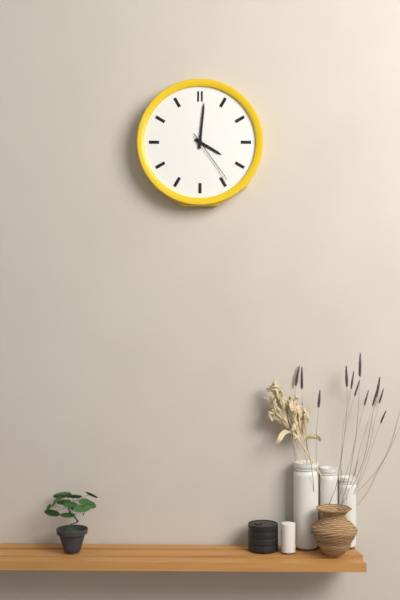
4:01:24
